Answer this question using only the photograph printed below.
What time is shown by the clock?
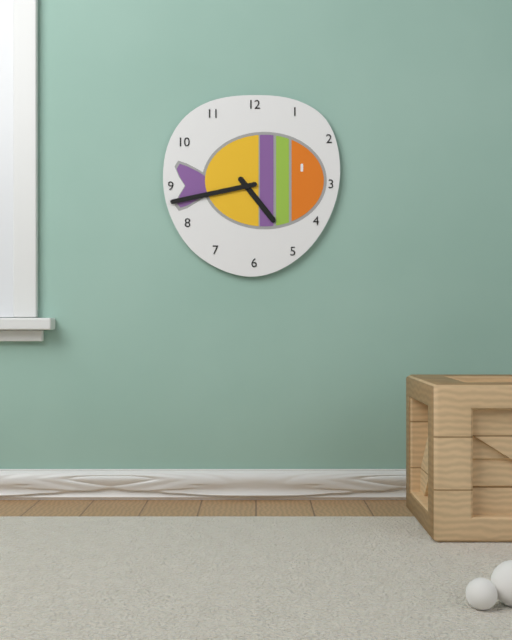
4:43
